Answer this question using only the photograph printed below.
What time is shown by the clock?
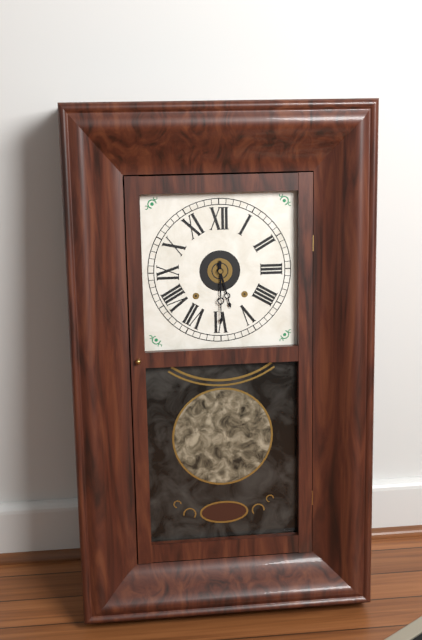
5:30
